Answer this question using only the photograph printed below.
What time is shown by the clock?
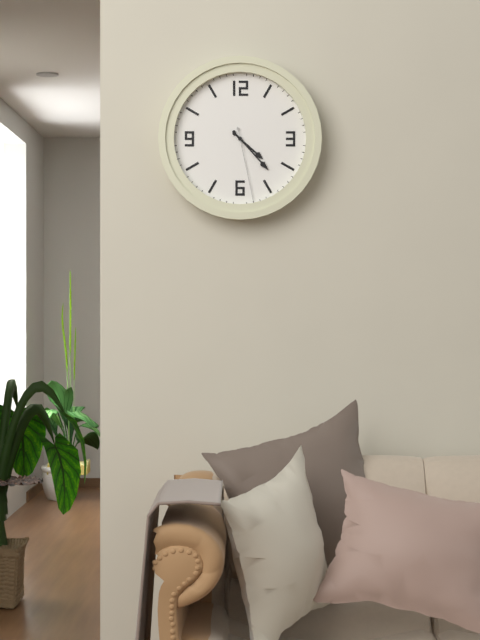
4:23:28
